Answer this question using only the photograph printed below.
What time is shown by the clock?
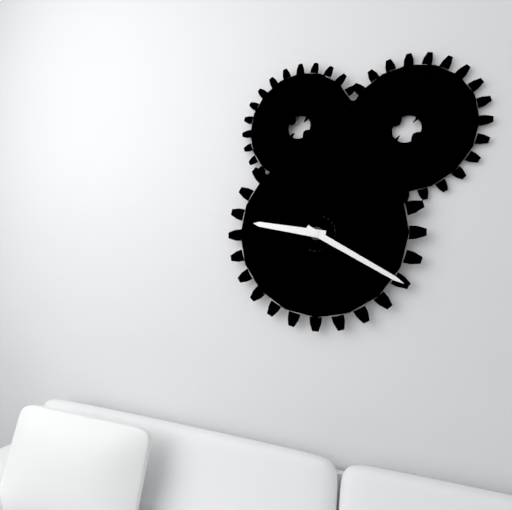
9:20
